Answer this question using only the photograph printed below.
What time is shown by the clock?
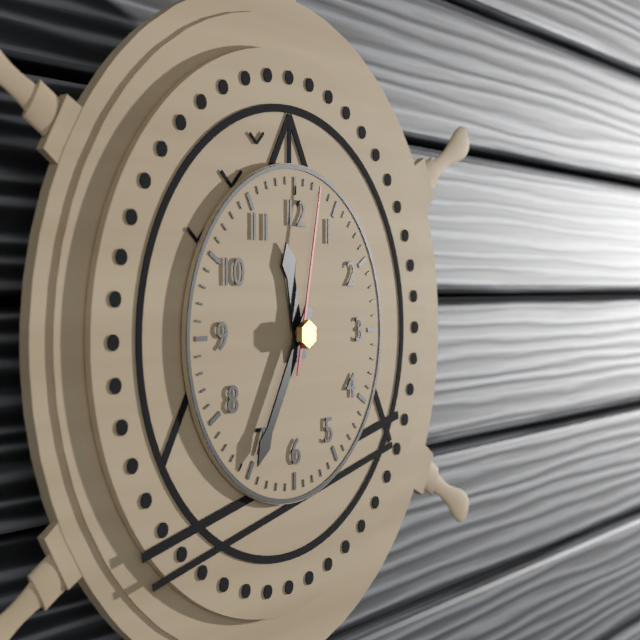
11:35:02
